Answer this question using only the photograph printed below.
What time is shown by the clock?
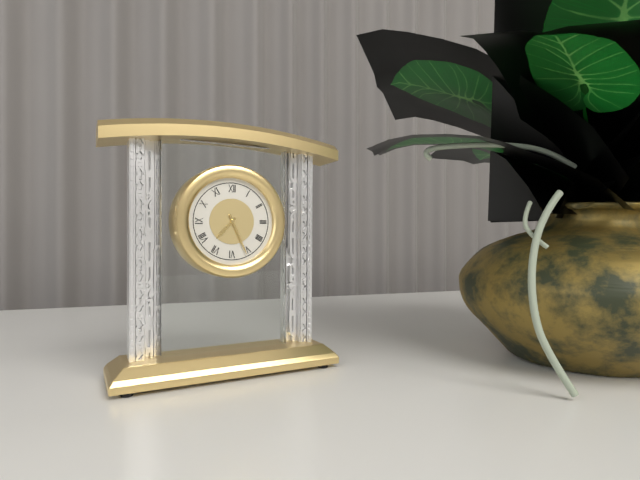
7:26
